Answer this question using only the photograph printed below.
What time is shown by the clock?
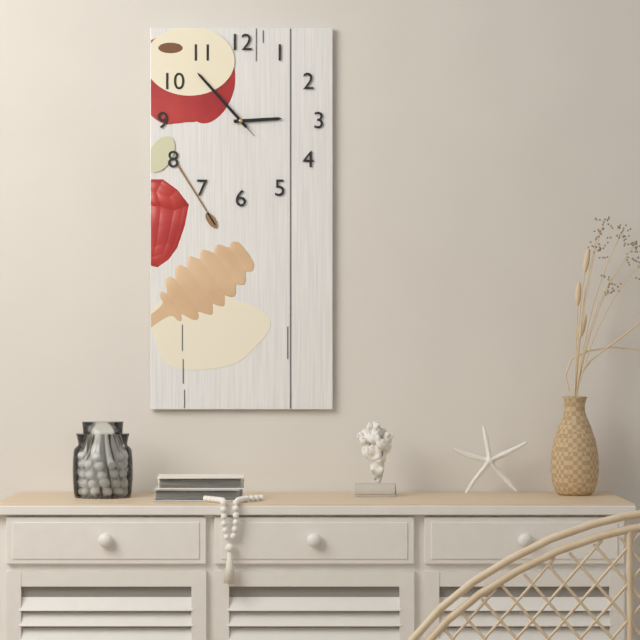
2:53:53
